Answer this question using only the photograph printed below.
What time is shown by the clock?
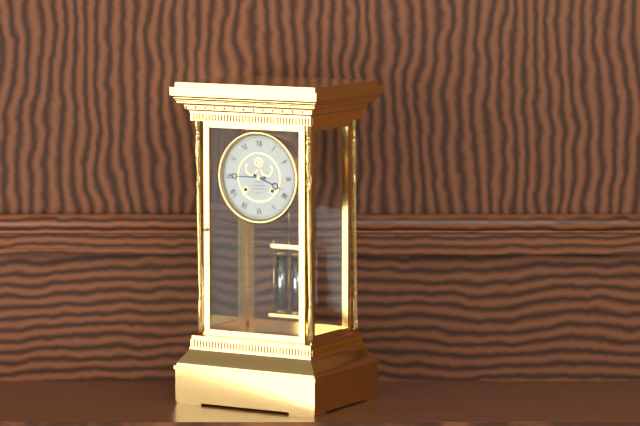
3:45
